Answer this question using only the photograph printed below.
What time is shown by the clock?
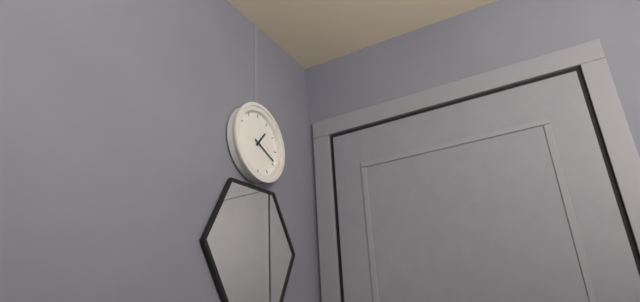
1:19
